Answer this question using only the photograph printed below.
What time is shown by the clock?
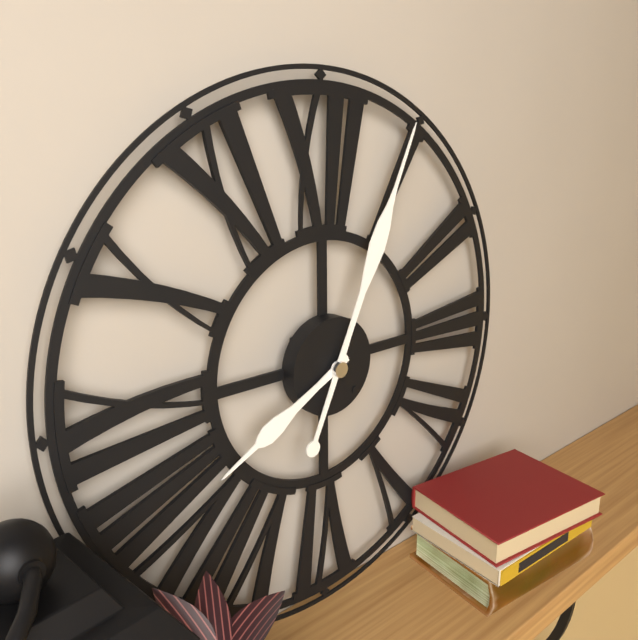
8:04
